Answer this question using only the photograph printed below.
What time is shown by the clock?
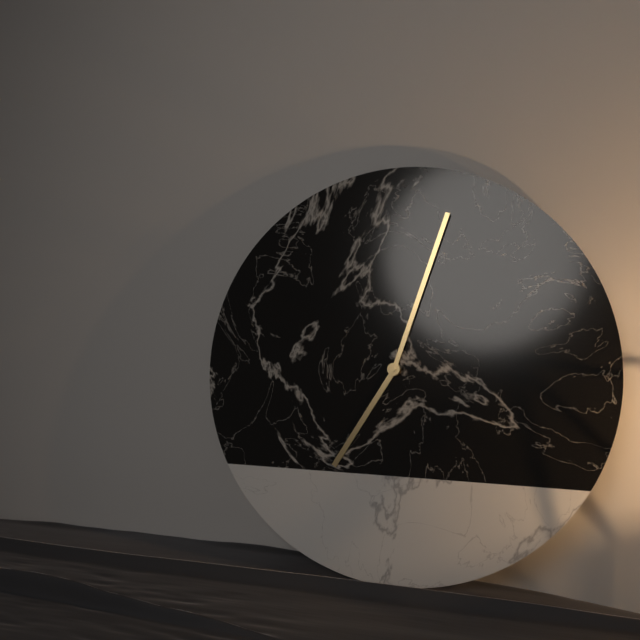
7:03
